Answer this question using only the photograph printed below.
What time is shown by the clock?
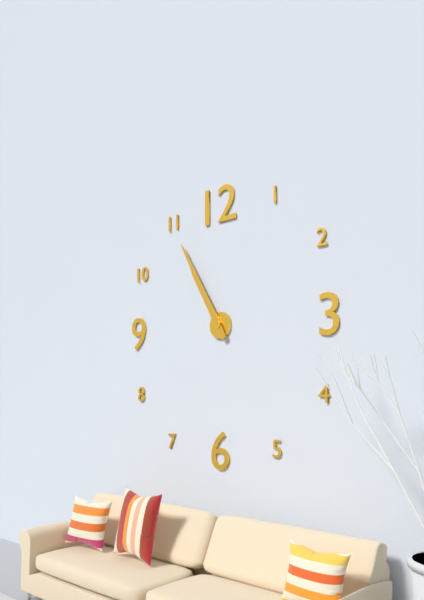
10:55
